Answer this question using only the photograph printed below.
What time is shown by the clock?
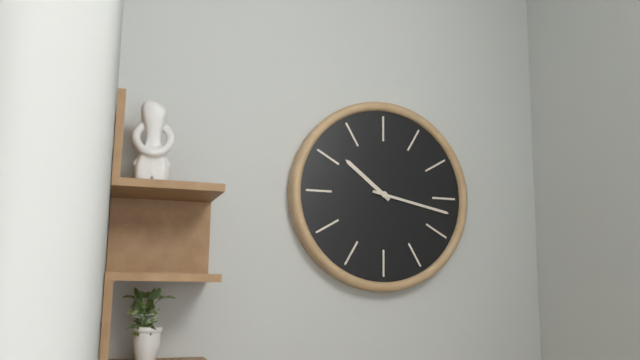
10:17
